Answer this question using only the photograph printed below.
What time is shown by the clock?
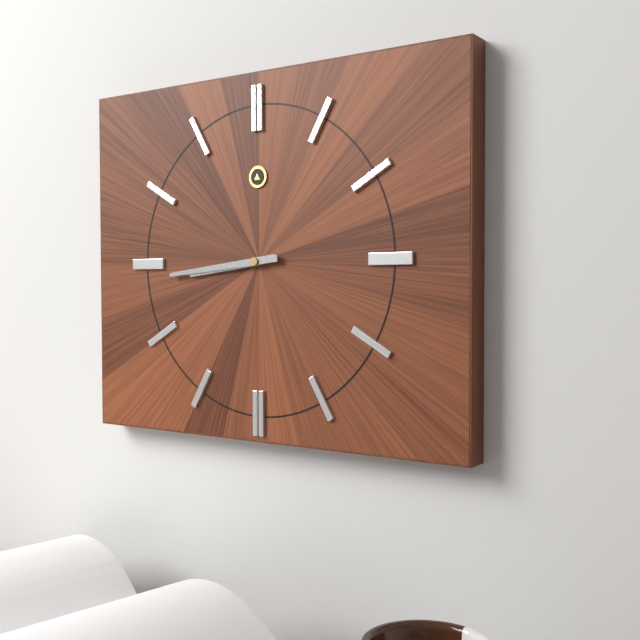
8:44
